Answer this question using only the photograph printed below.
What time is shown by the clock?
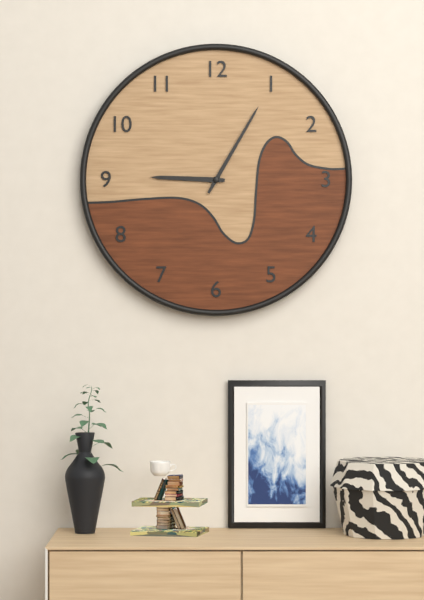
9:05
